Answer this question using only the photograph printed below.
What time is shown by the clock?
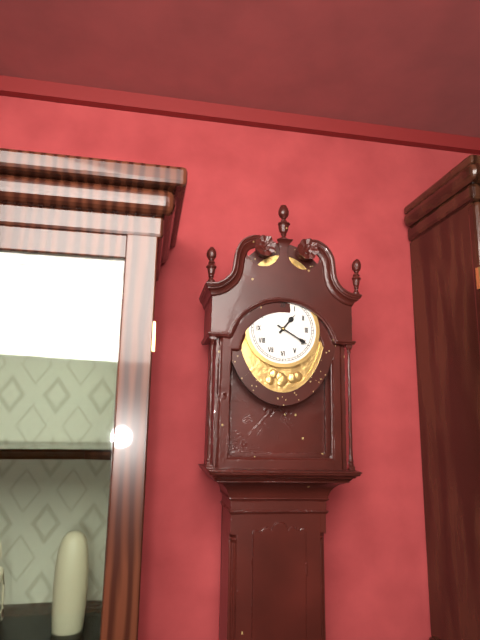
1:20
